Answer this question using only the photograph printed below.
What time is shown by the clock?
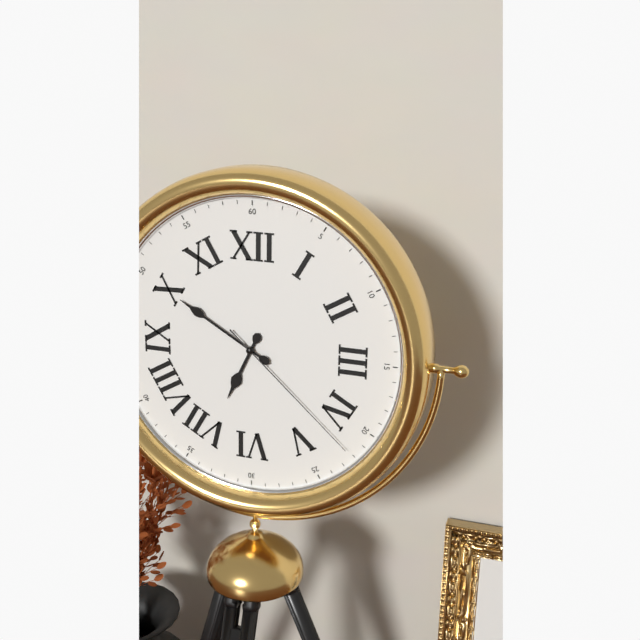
6:50:22
